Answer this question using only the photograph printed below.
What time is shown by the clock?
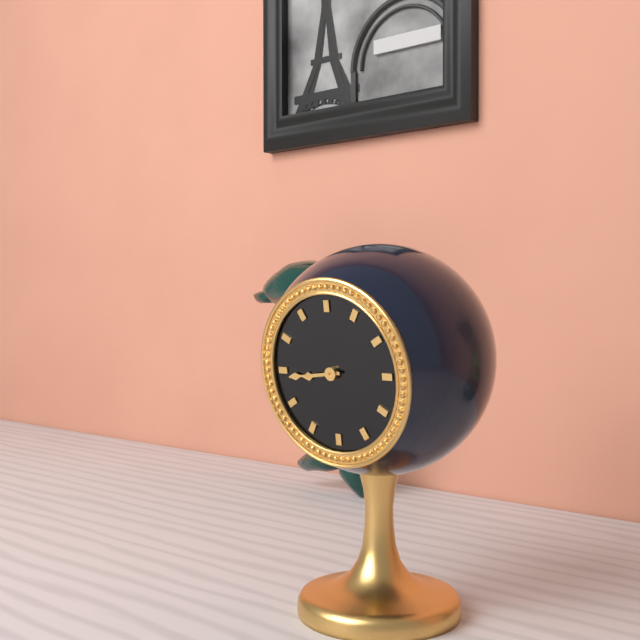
8:44
